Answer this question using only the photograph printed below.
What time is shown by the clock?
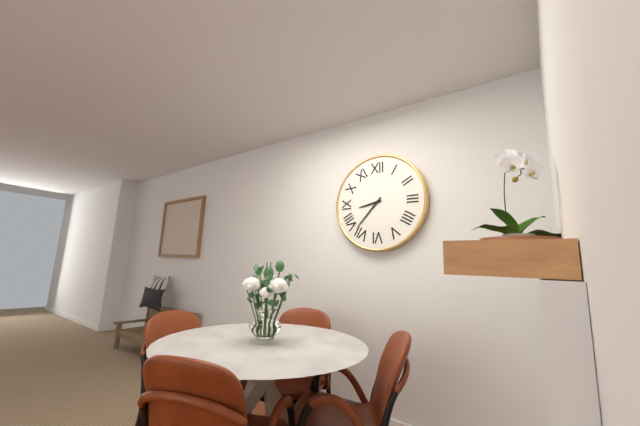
8:37
